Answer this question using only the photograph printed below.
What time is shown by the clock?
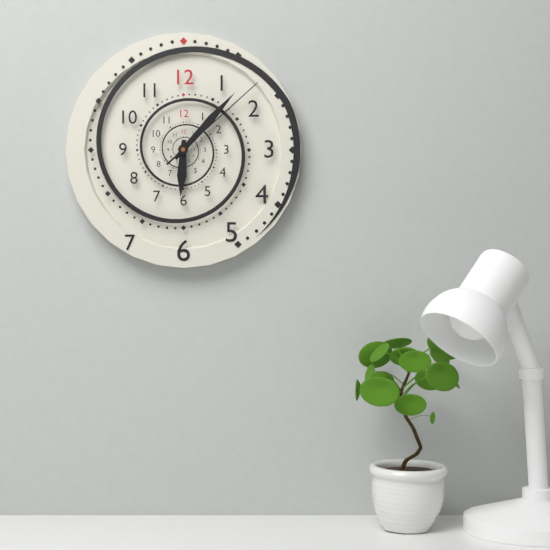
6:07:08
